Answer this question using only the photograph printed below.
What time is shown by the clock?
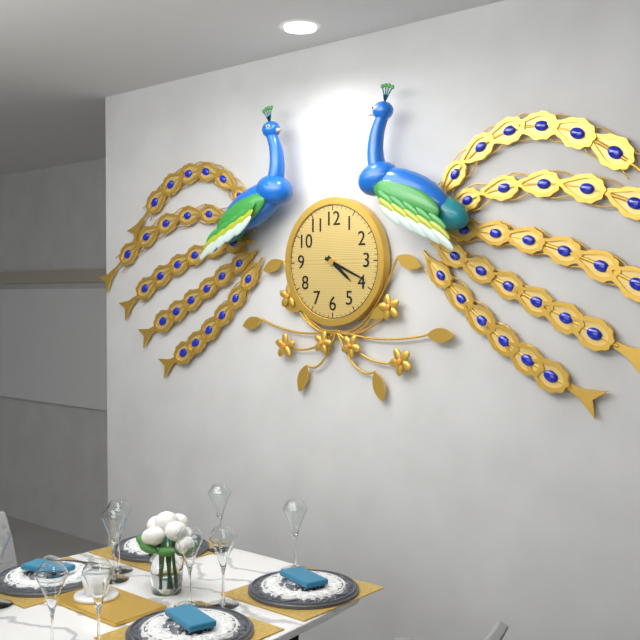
4:19
